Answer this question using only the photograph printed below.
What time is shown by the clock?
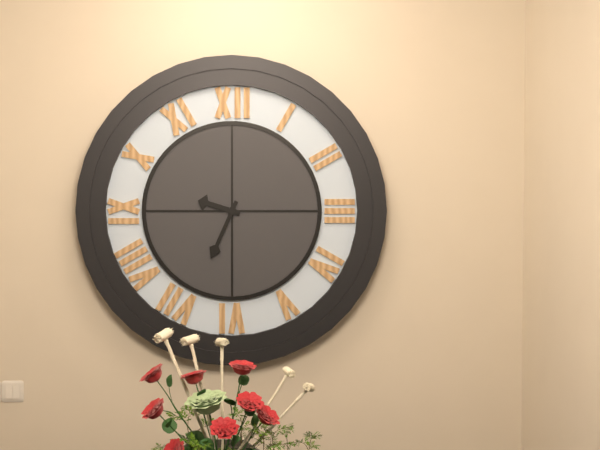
9:34
